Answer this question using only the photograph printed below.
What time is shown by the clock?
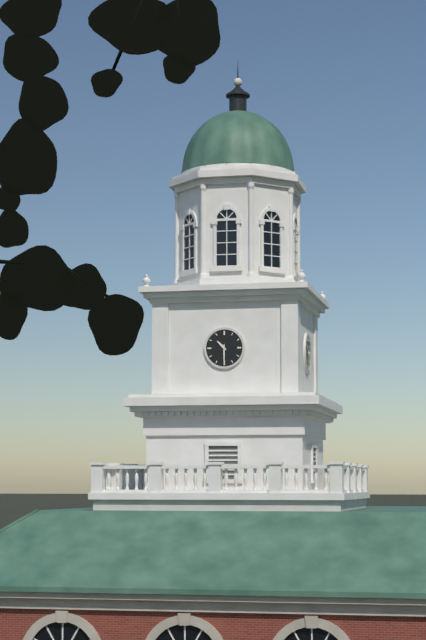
10:30
